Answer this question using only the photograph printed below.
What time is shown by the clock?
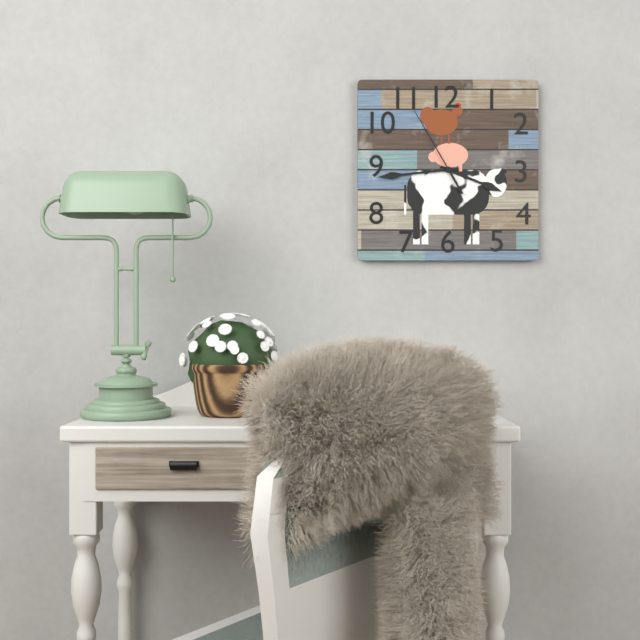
3:44:55
